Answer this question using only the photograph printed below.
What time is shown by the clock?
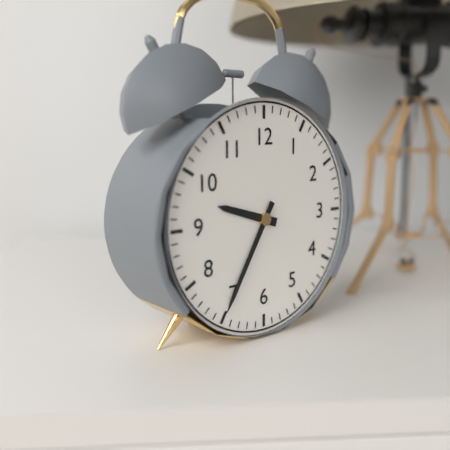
9:35
